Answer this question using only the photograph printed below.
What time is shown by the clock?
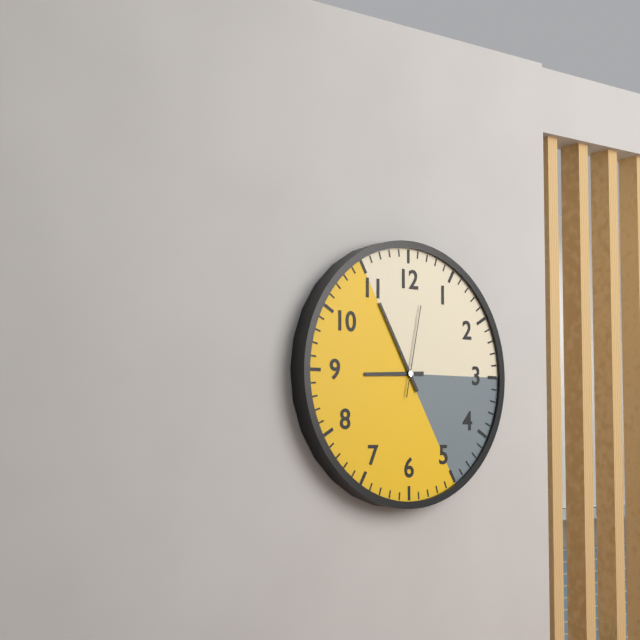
8:55:02
